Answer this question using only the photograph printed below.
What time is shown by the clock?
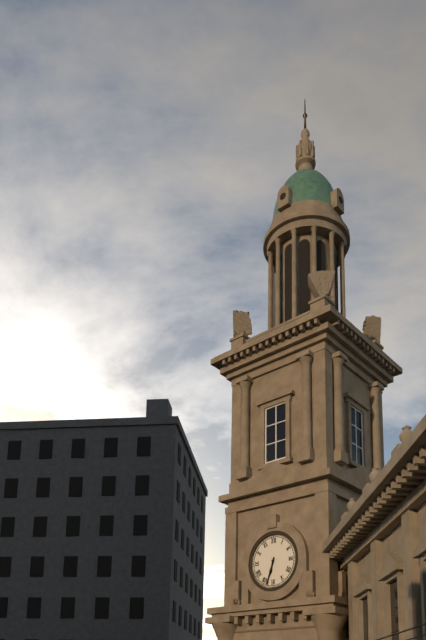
6:33
